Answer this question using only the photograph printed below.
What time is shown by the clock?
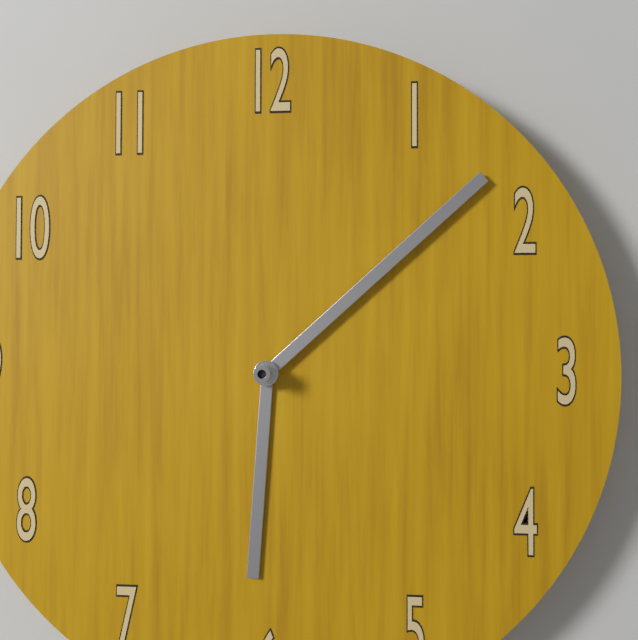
6:08
